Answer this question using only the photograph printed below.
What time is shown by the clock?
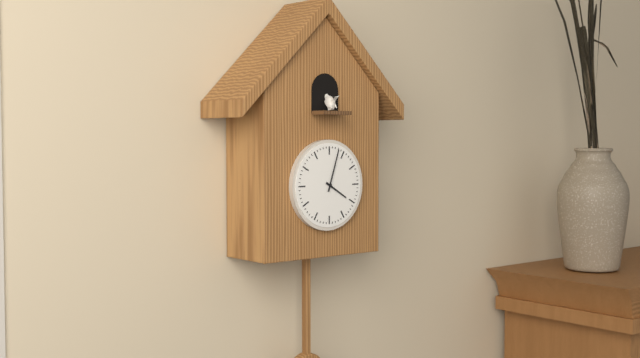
4:03
